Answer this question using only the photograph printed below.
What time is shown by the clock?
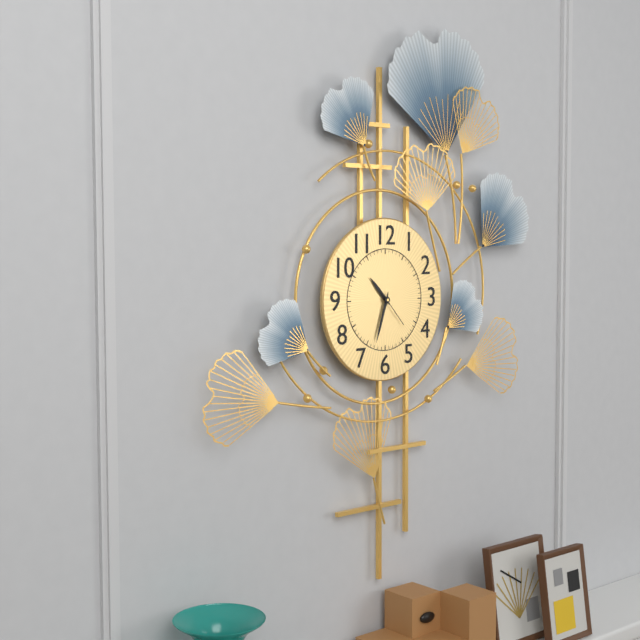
10:33
